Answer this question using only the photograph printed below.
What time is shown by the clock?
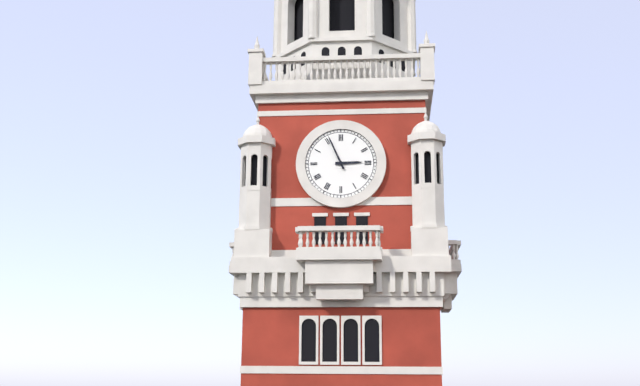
2:56
